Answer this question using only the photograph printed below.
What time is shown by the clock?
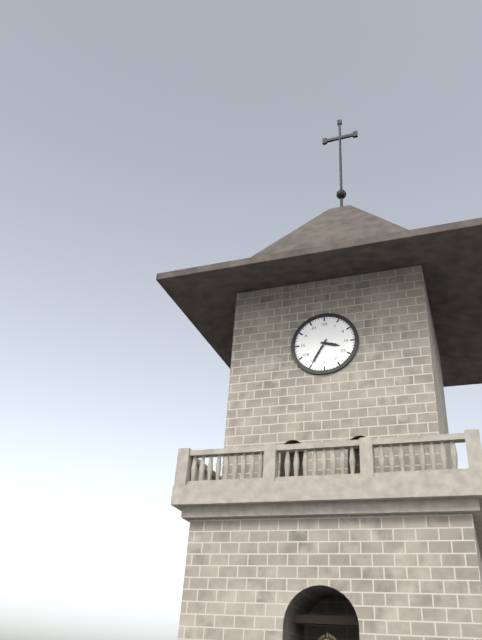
3:35
